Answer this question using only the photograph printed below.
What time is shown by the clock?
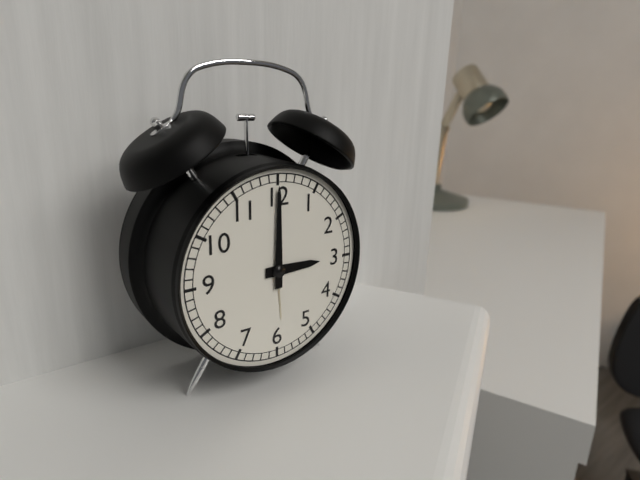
3:00
